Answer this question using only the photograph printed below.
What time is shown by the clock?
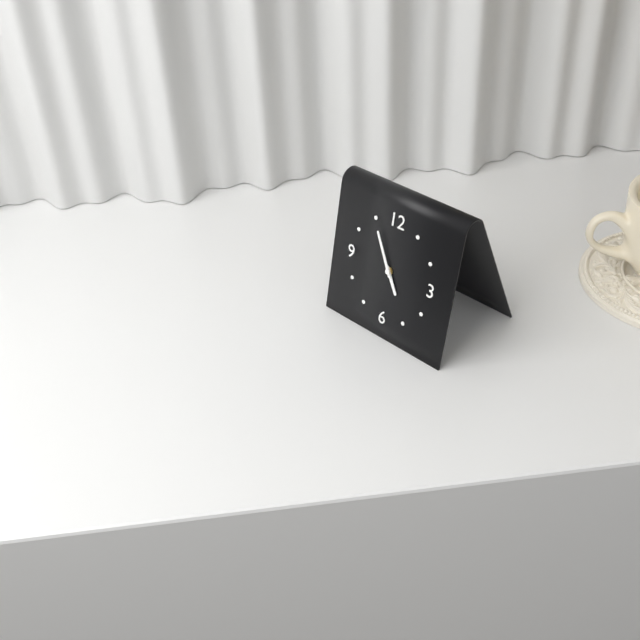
4:55
